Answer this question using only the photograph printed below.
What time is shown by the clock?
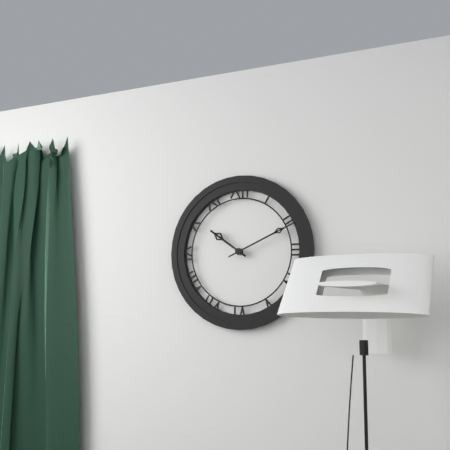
10:11
